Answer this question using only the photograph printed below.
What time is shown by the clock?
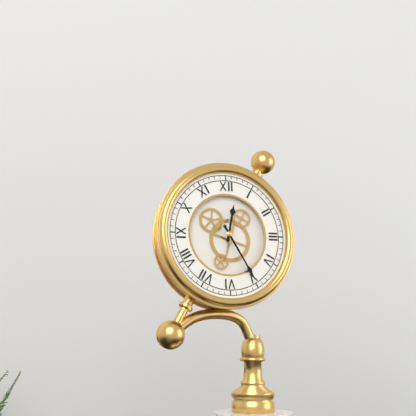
12:25
